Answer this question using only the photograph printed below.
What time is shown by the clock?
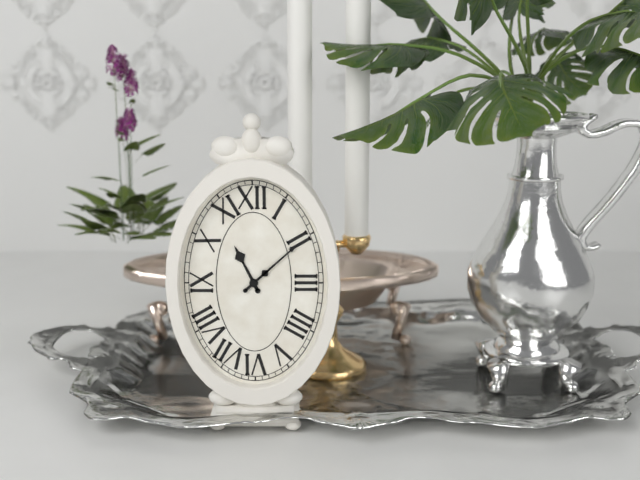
11:08
